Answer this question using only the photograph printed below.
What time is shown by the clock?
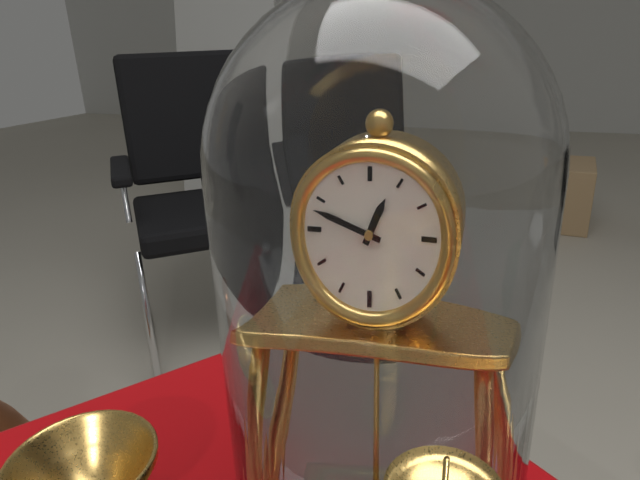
12:48
